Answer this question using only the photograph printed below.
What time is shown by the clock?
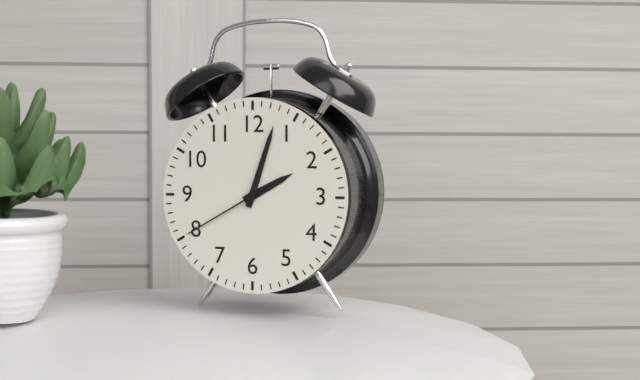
2:03:40
